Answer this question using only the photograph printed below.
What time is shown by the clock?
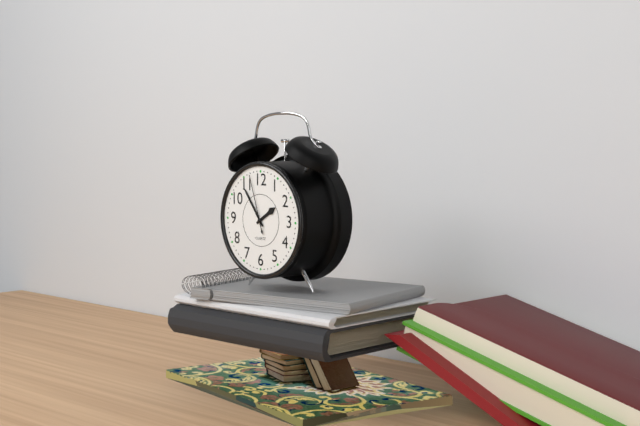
1:54:57
